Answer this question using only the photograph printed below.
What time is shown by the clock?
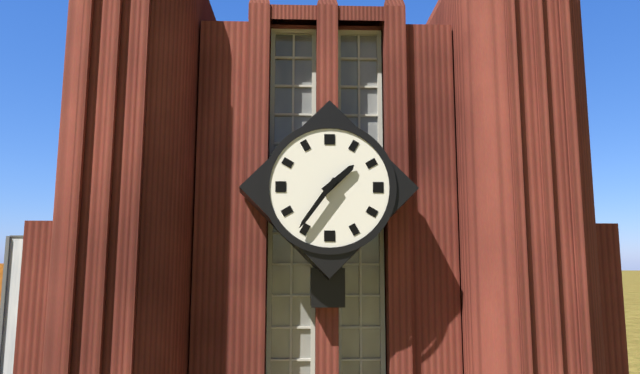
1:36
